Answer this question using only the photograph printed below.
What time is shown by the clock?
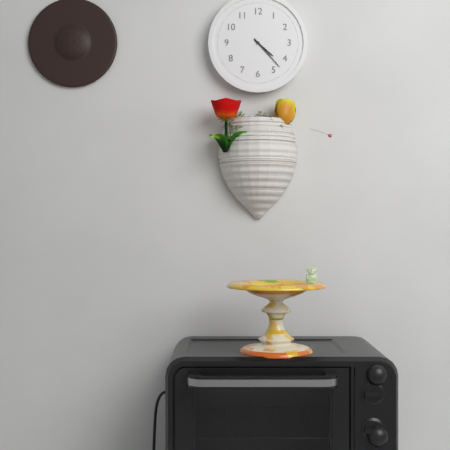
4:23
